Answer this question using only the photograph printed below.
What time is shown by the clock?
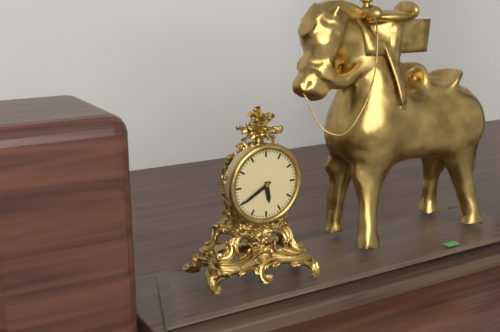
5:40
